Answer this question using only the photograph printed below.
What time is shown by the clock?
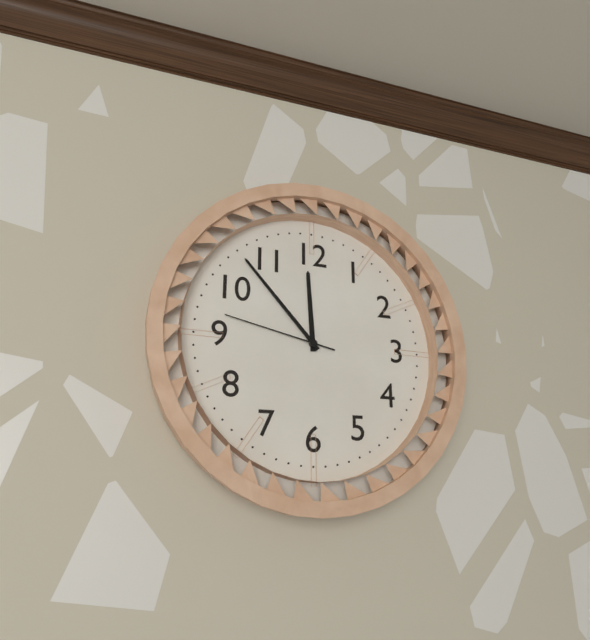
11:53:47
